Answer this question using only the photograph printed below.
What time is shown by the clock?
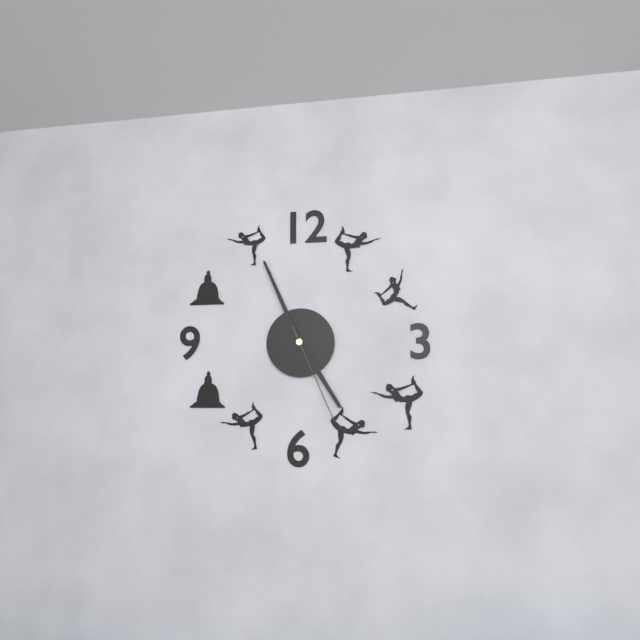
4:56:26
